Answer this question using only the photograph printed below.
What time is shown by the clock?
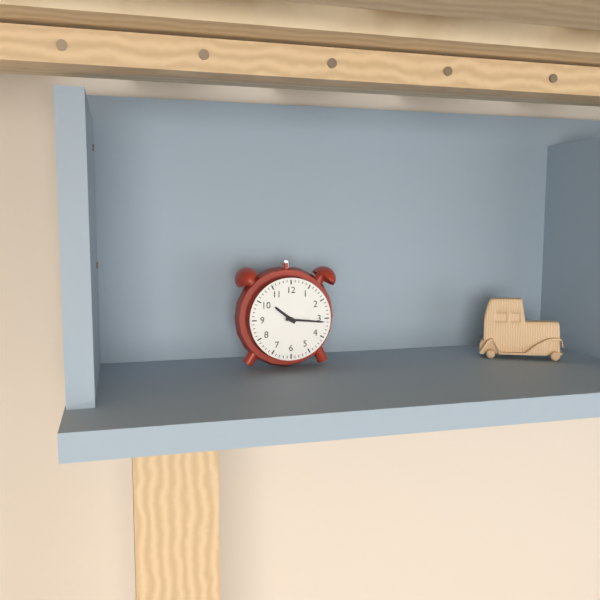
10:16
